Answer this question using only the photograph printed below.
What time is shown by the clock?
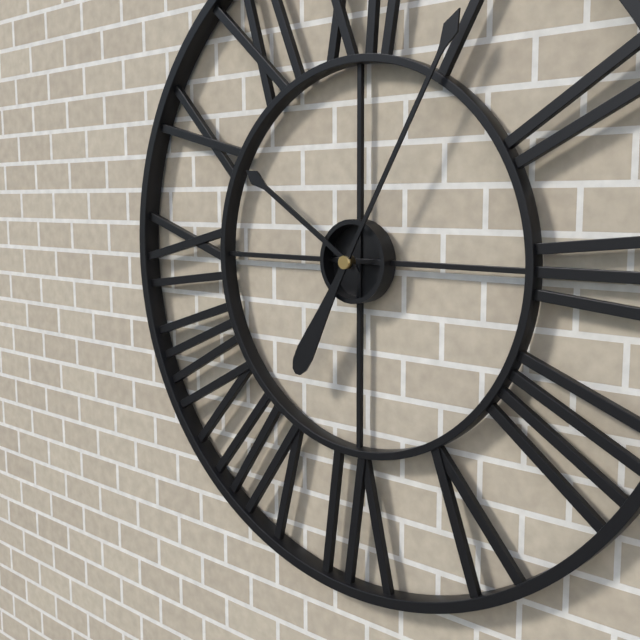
10:05
